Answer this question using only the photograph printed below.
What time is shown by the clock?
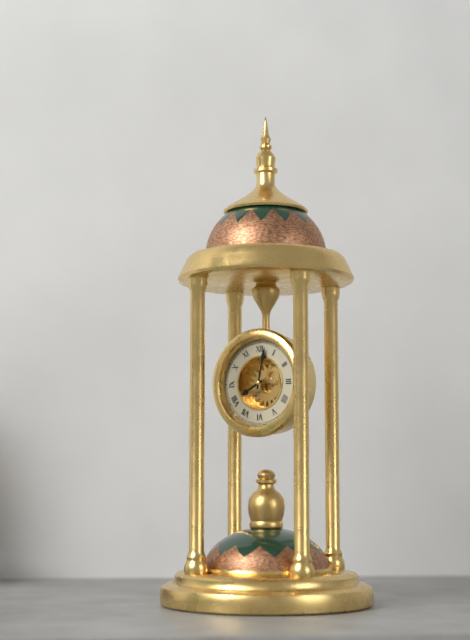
8:02
